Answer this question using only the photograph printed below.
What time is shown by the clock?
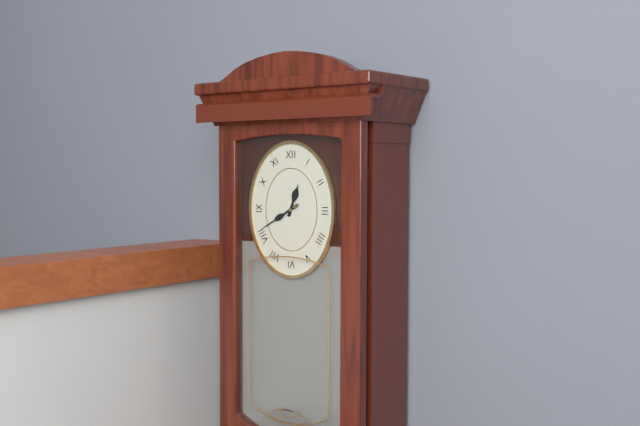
12:40
